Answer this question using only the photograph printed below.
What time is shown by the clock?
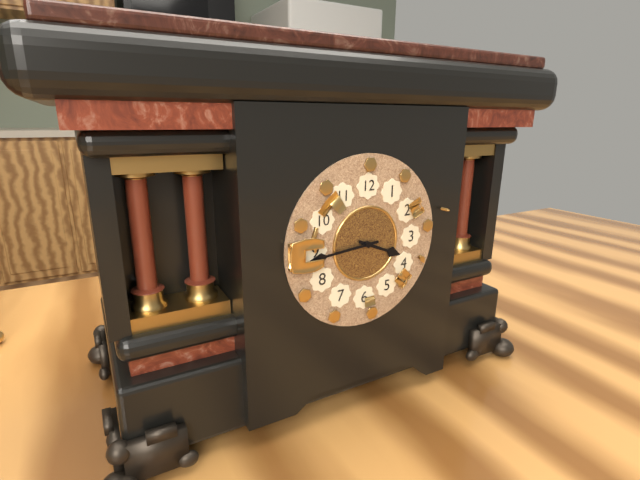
3:44
